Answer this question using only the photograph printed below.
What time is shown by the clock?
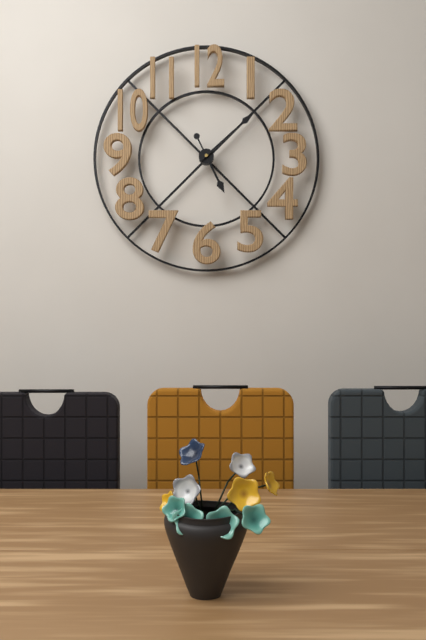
5:08
